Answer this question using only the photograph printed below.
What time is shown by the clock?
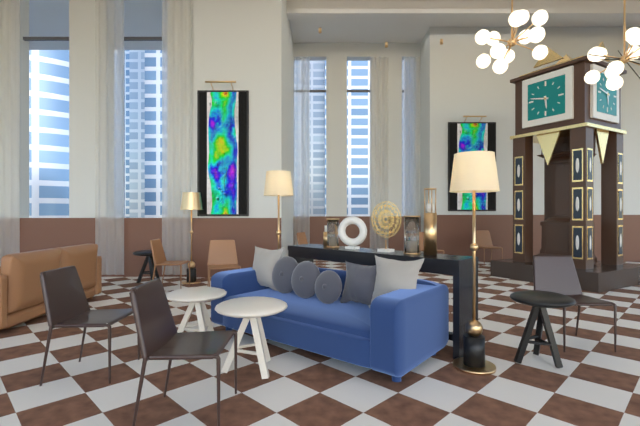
5:47
